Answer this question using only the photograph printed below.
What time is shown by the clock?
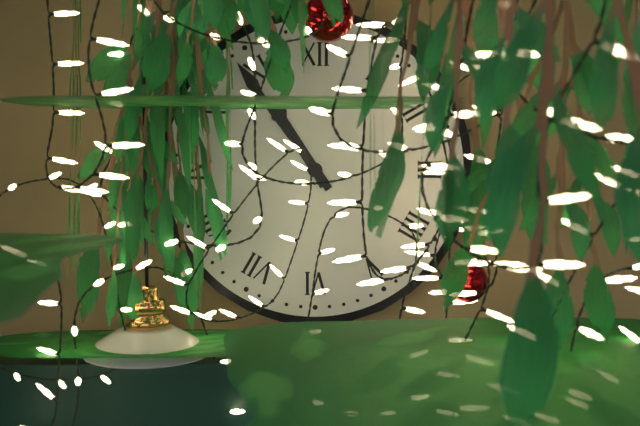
10:54
